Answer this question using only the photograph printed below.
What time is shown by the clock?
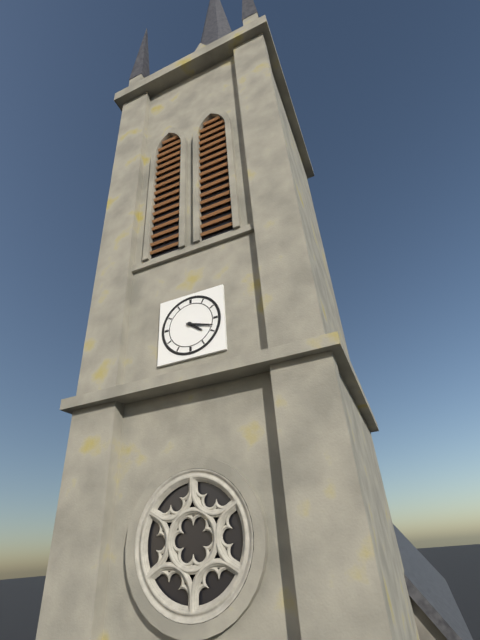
4:18
